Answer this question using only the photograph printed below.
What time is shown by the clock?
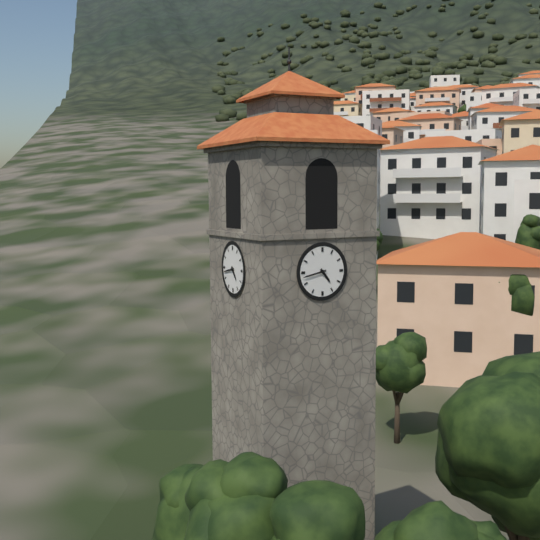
4:43
